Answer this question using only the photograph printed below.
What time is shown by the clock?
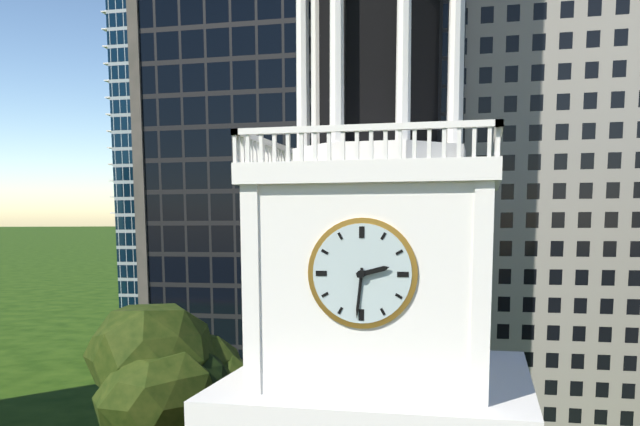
2:31
